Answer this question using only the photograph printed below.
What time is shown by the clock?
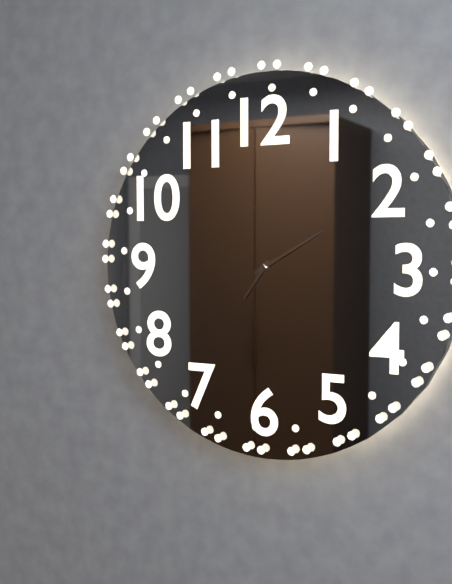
7:10
